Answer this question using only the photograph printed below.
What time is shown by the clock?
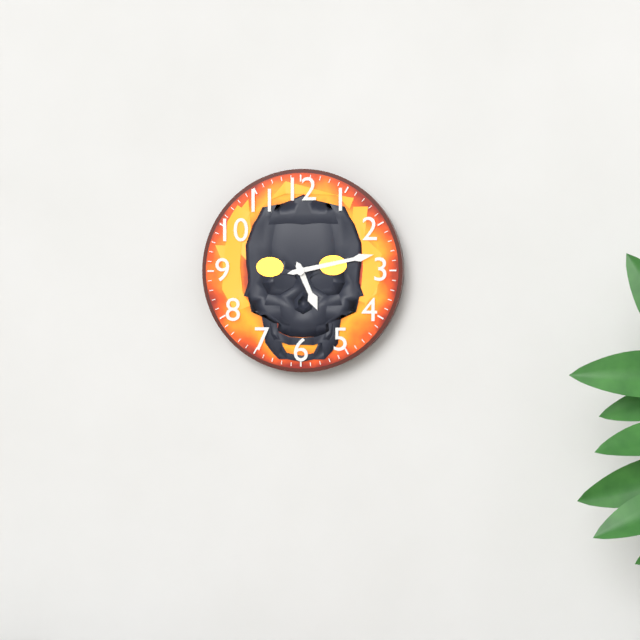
5:13
